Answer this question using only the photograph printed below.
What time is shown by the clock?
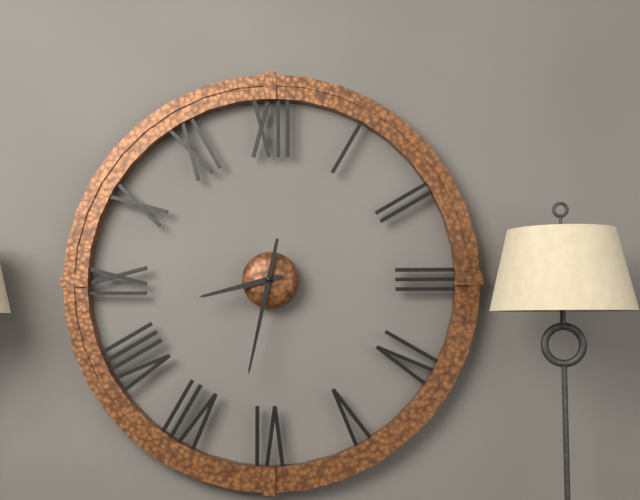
8:32
